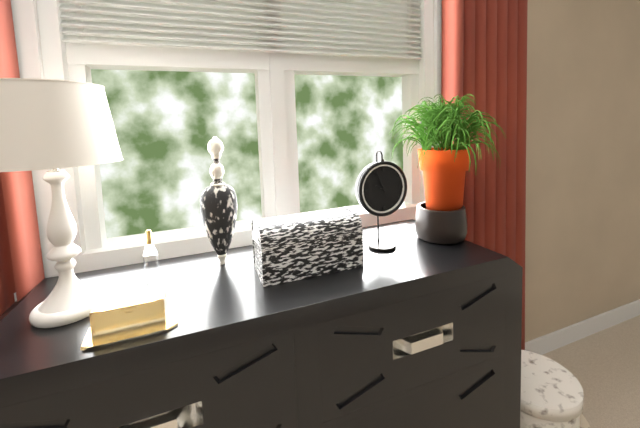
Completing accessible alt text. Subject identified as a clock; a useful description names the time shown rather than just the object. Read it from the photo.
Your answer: 9:56
